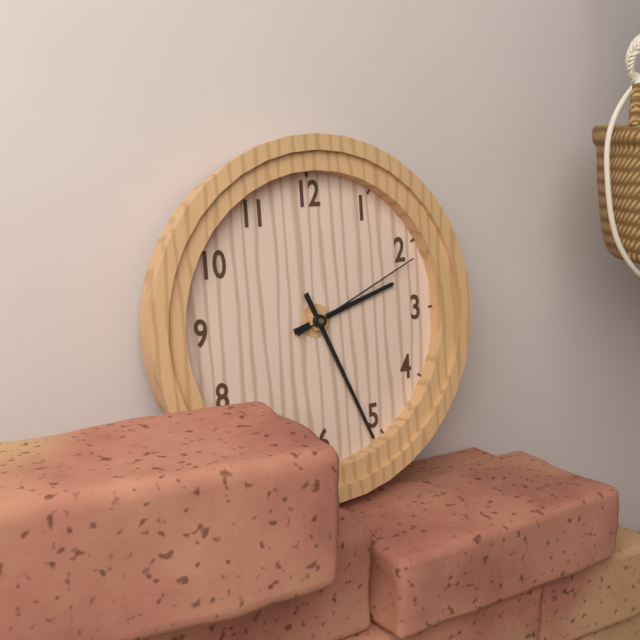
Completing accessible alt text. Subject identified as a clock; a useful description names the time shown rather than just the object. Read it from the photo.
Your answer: 2:26:11
